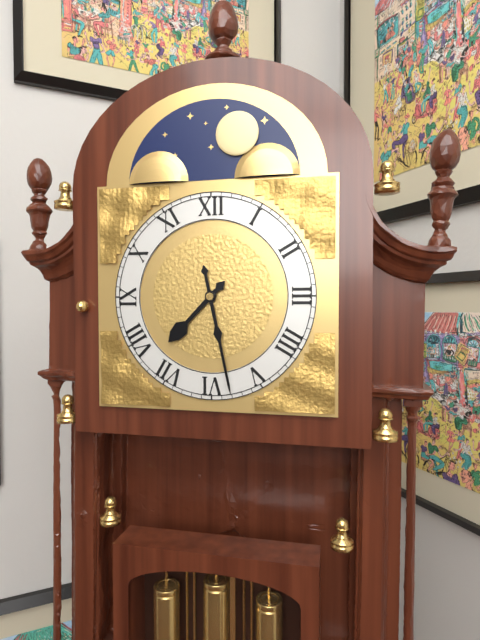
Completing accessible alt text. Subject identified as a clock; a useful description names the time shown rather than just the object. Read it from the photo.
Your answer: 7:28
